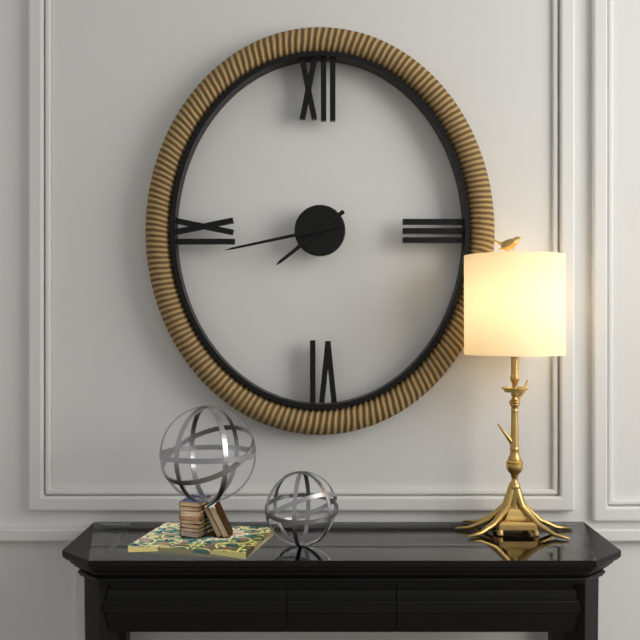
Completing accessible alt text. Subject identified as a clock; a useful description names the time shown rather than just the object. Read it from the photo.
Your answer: 7:43
